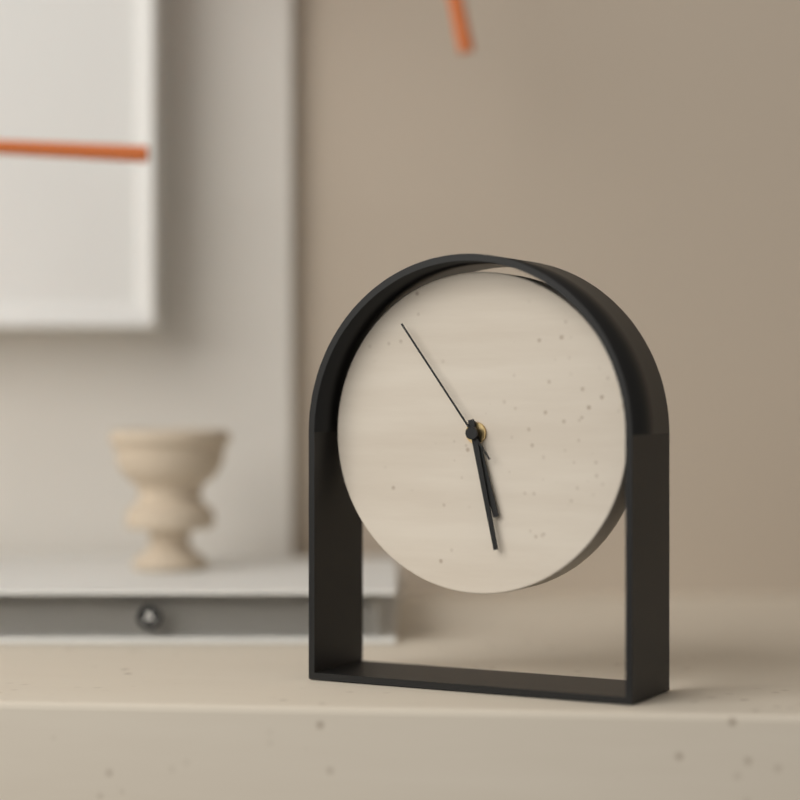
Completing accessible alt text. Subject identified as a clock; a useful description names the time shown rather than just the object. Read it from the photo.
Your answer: 5:28:54
